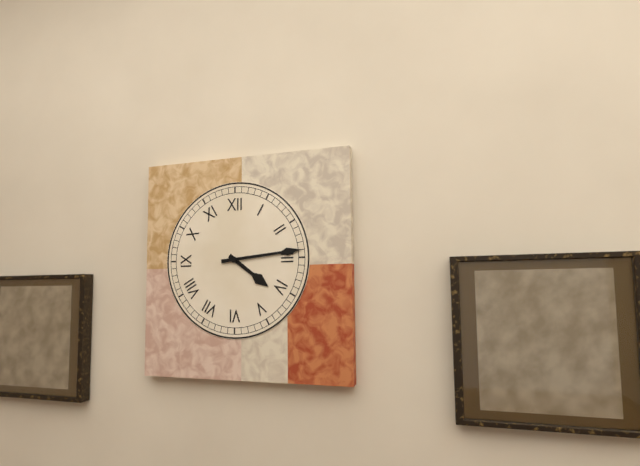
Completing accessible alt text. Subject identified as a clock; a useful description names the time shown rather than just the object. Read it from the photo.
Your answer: 4:14
